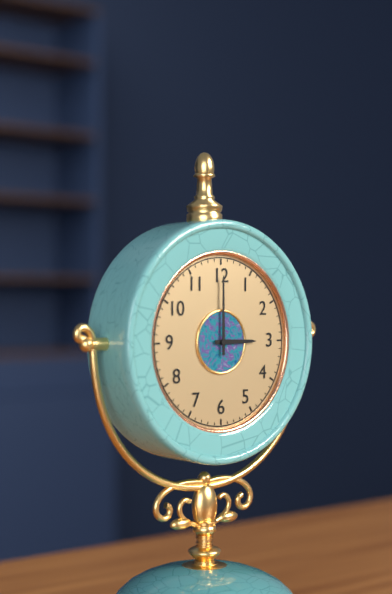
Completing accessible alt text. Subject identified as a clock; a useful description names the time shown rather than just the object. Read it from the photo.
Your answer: 3:00
